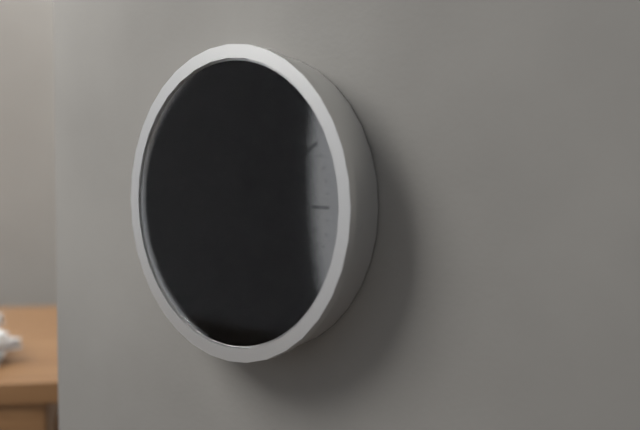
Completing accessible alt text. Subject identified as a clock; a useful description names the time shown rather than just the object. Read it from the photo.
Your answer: 3:30
